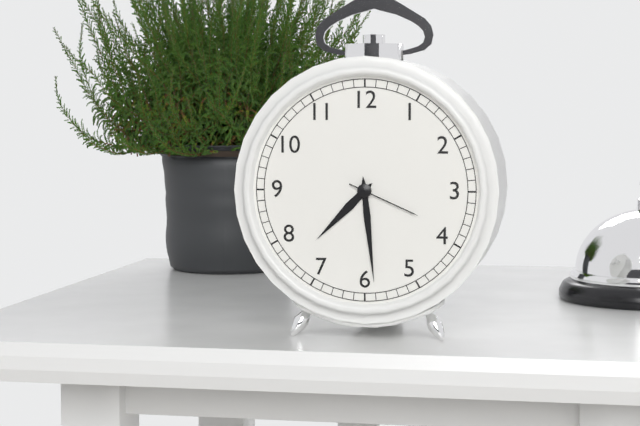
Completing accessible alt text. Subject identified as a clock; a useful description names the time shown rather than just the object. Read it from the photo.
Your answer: 7:29:19
